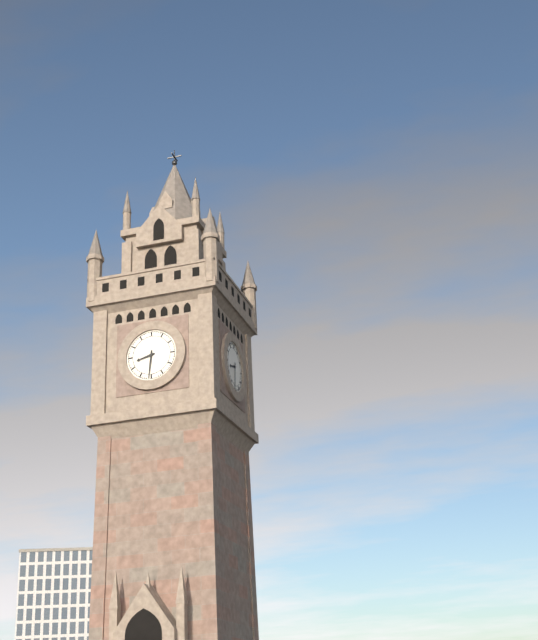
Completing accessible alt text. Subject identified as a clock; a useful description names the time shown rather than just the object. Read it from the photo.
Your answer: 8:31
